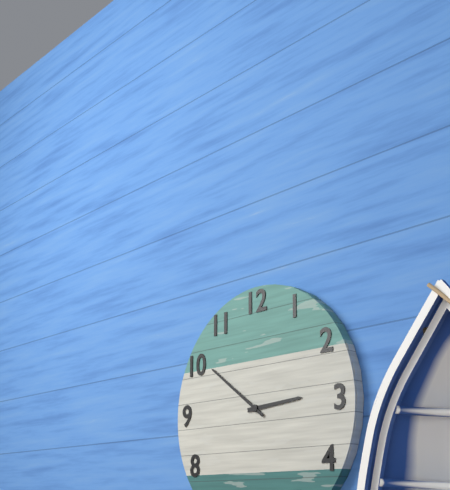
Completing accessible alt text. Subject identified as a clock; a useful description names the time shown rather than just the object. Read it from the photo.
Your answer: 2:51
